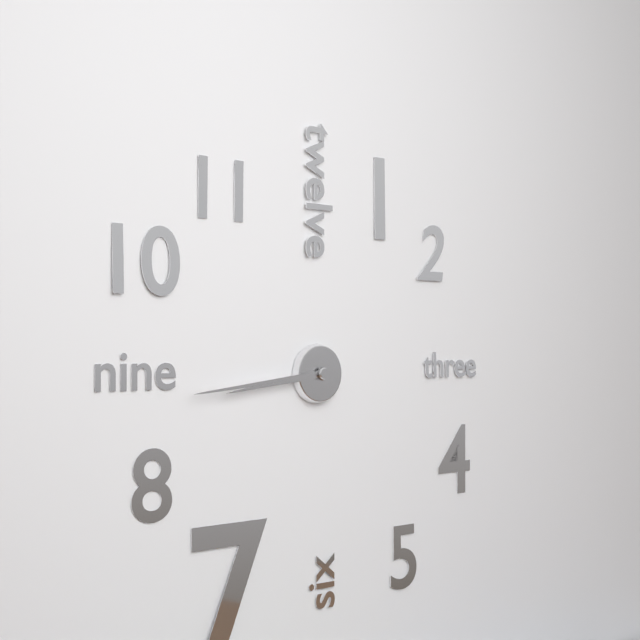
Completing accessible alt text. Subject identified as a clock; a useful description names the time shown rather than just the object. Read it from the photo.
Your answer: 8:44
